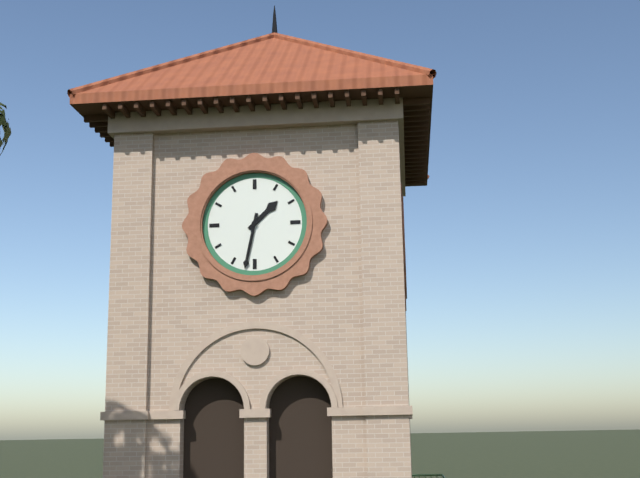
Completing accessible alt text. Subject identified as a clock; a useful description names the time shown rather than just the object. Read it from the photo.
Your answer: 1:32
